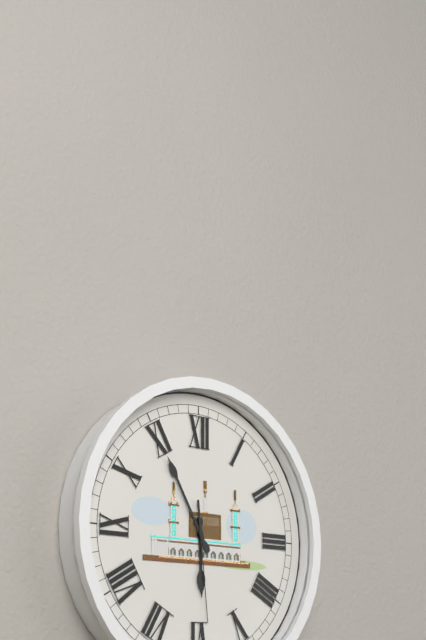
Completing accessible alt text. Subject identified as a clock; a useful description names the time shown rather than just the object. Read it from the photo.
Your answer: 5:55:29
